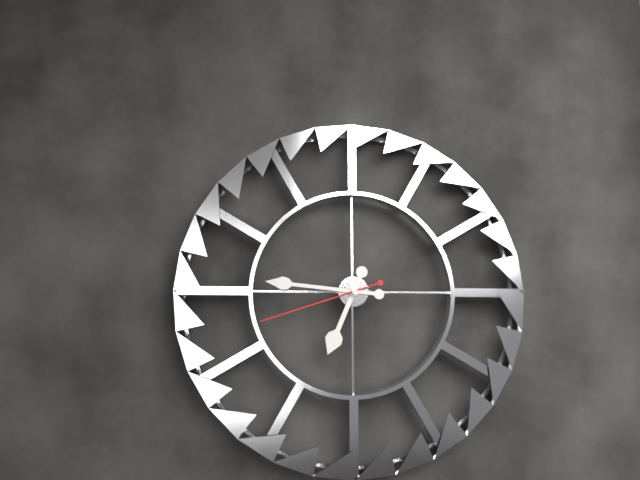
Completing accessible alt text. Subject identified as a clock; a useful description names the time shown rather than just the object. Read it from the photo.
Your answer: 6:46:42
